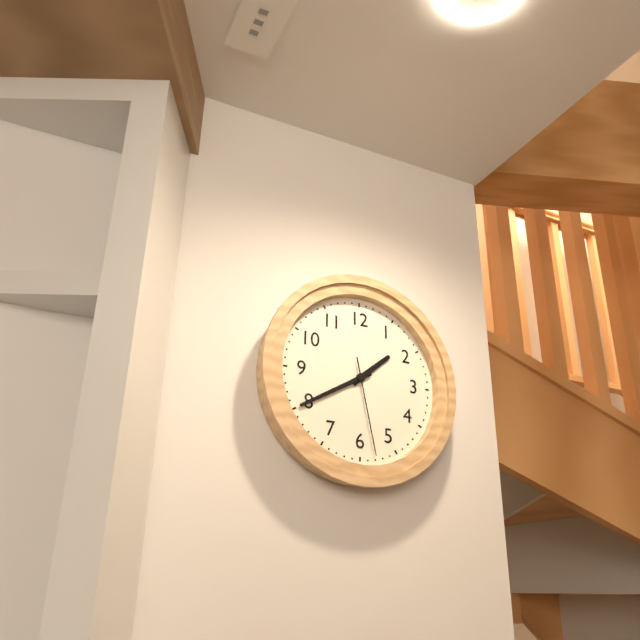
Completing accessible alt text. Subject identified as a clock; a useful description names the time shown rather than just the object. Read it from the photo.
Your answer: 1:40:28
